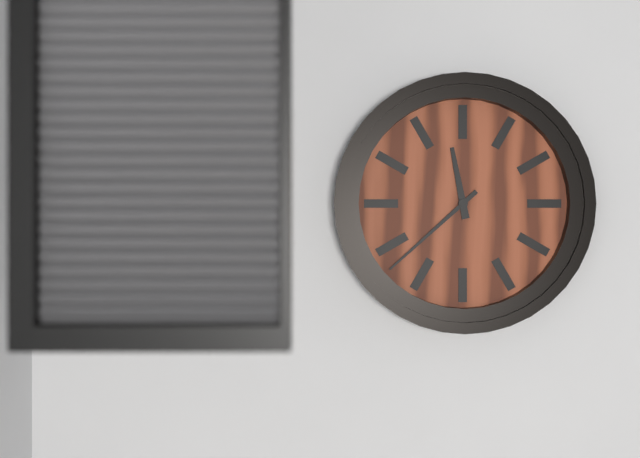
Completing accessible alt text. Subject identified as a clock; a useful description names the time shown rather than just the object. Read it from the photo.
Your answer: 11:38
